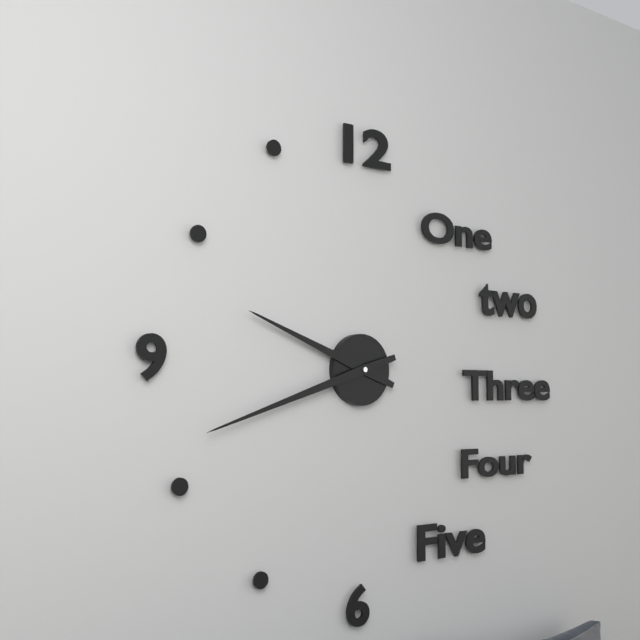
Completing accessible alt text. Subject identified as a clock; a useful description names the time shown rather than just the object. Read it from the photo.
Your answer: 9:42
